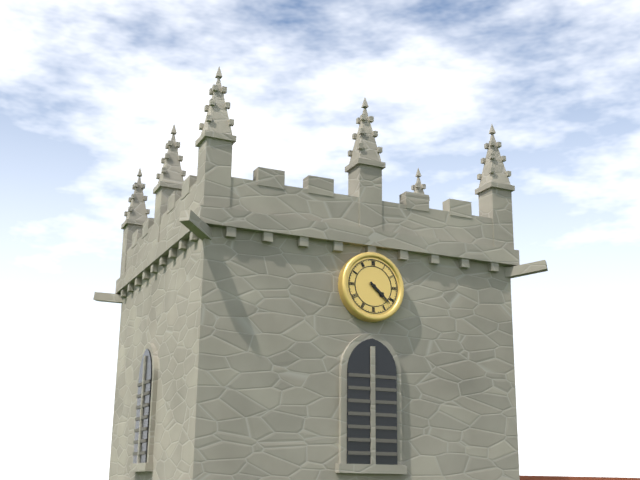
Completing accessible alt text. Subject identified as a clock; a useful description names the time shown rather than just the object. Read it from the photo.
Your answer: 4:22
